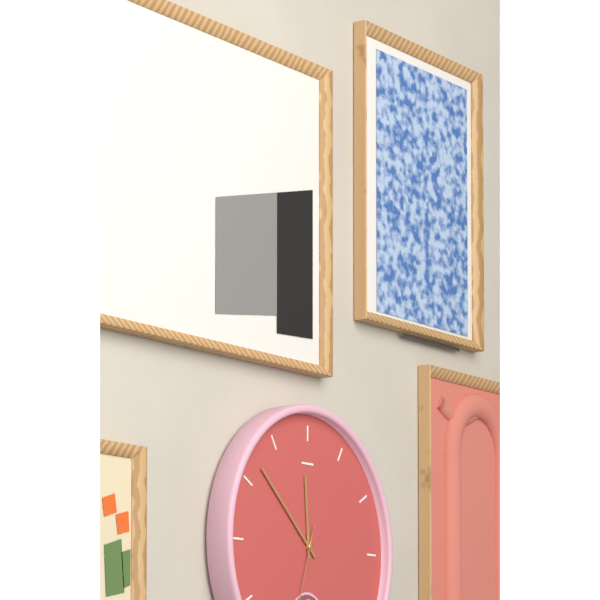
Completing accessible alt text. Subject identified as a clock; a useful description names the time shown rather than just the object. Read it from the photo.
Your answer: 11:52
